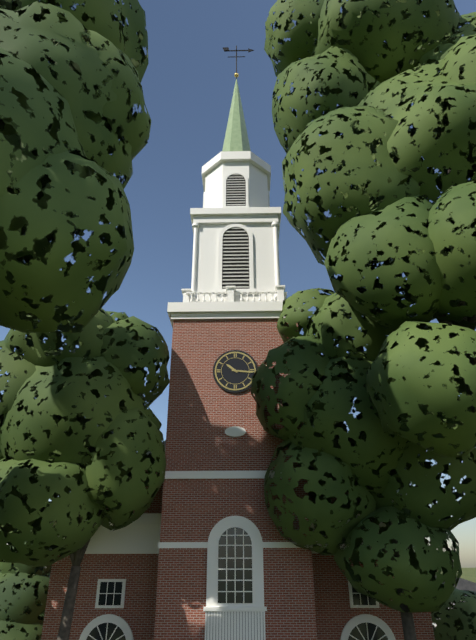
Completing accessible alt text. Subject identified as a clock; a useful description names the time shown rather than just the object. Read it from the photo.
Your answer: 10:16
